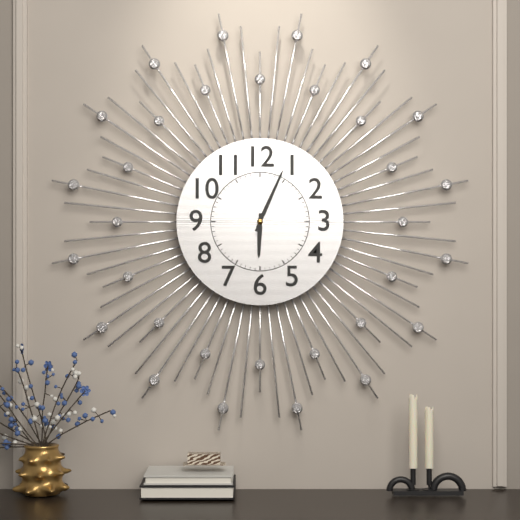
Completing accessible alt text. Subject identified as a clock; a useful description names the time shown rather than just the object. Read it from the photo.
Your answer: 6:04
